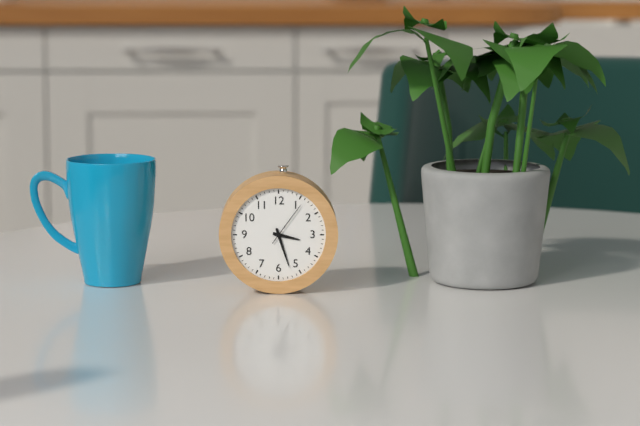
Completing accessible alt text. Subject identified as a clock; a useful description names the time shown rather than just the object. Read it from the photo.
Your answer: 3:27
